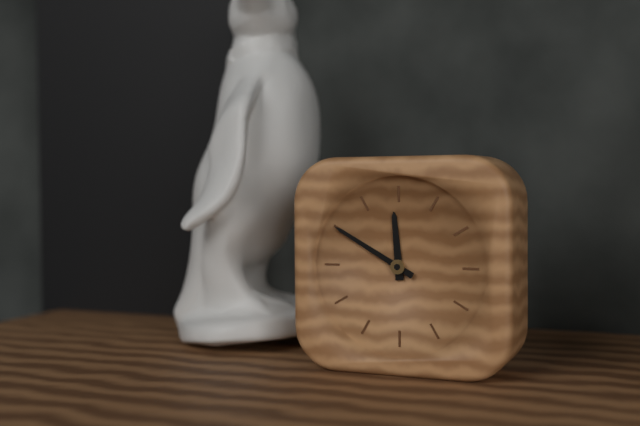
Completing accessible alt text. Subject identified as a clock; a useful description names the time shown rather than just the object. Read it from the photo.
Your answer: 11:50
